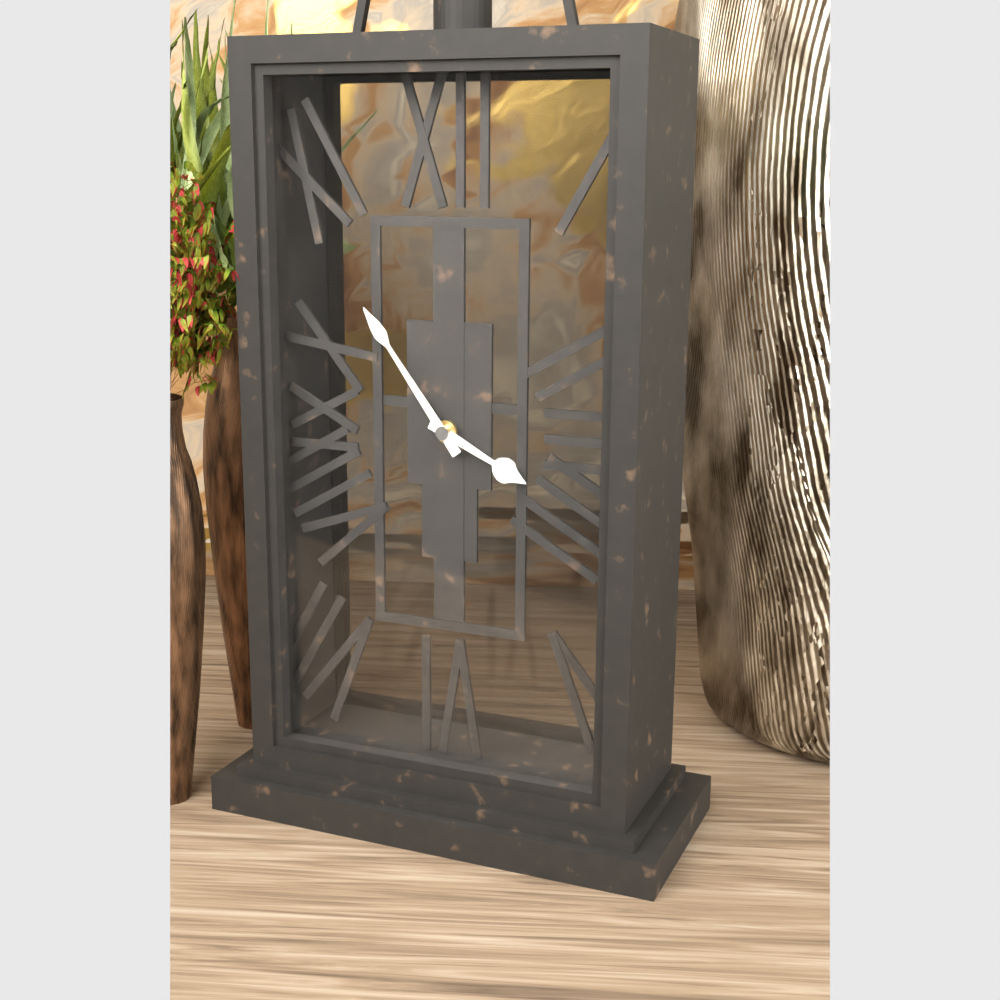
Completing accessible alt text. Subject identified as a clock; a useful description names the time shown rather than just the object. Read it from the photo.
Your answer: 3:54
